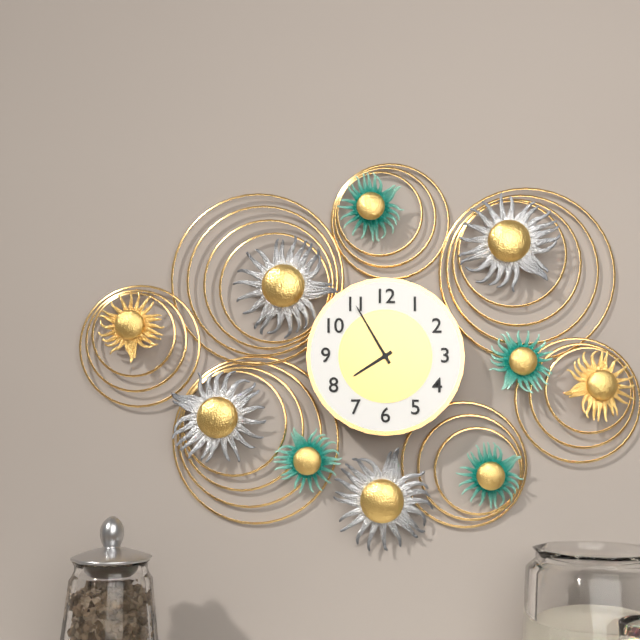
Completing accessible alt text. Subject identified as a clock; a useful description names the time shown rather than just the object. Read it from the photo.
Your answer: 7:55
